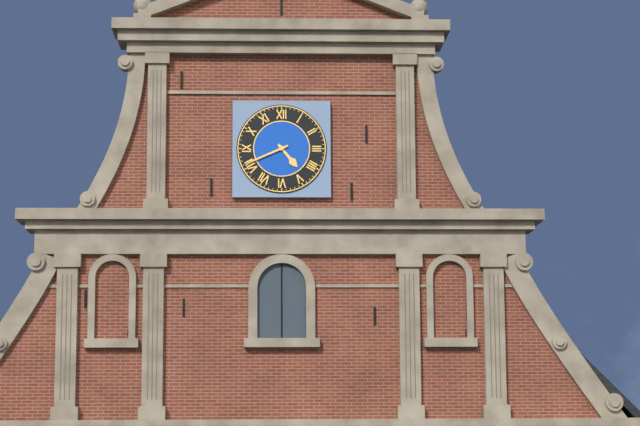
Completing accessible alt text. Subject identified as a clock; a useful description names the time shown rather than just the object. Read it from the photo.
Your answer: 4:41
